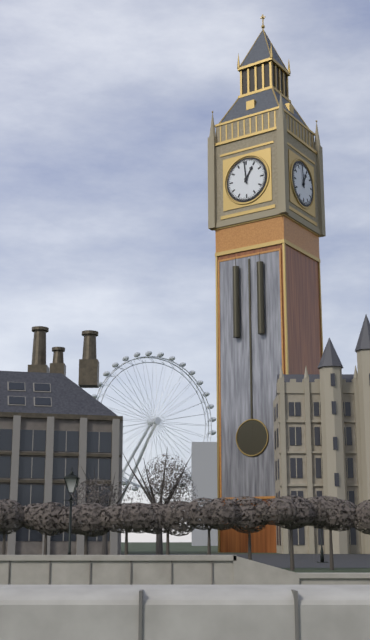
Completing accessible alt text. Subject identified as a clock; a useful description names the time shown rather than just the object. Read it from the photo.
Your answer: 12:59
